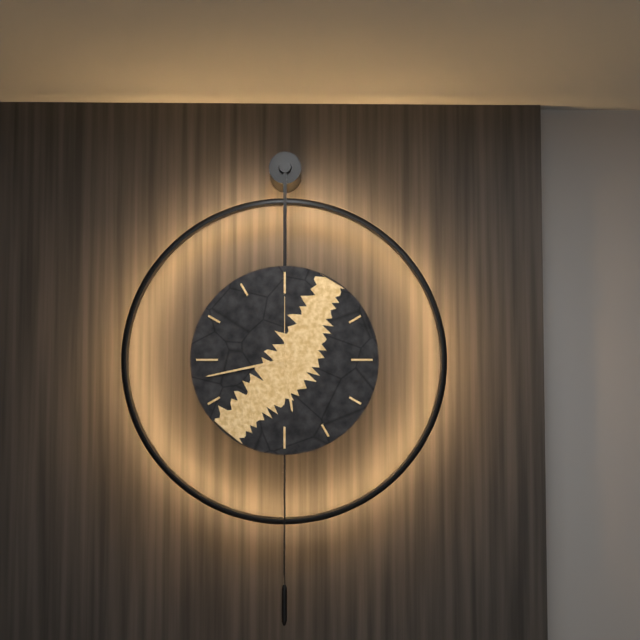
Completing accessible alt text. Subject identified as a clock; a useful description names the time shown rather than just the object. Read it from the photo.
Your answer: 5:43:00
